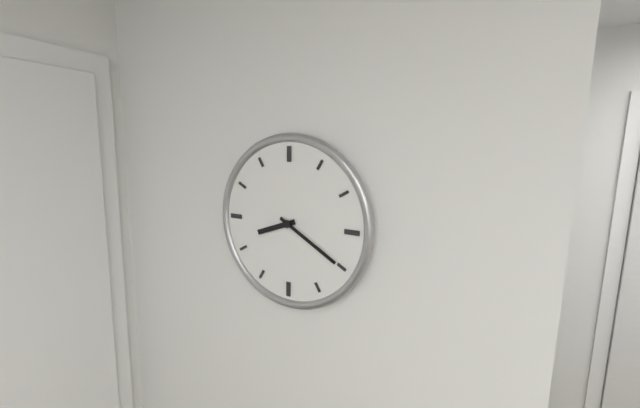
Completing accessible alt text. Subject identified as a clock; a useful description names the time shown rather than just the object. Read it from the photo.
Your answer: 8:20
